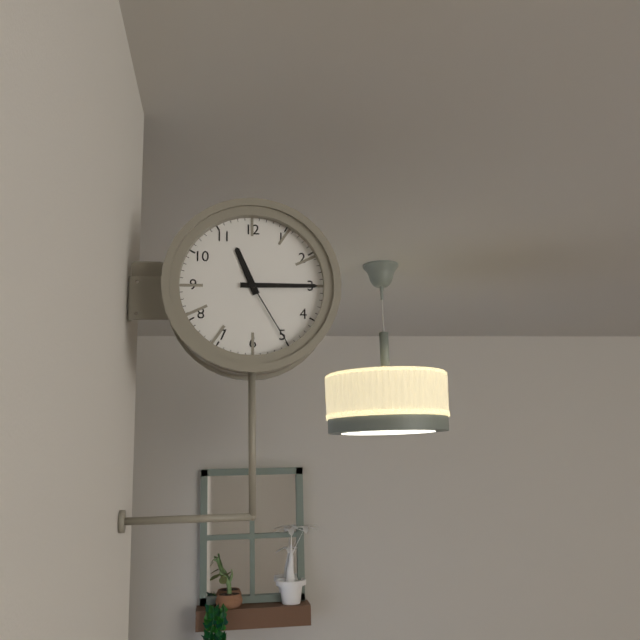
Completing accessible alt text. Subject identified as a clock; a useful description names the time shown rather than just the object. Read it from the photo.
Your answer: 11:15:25
